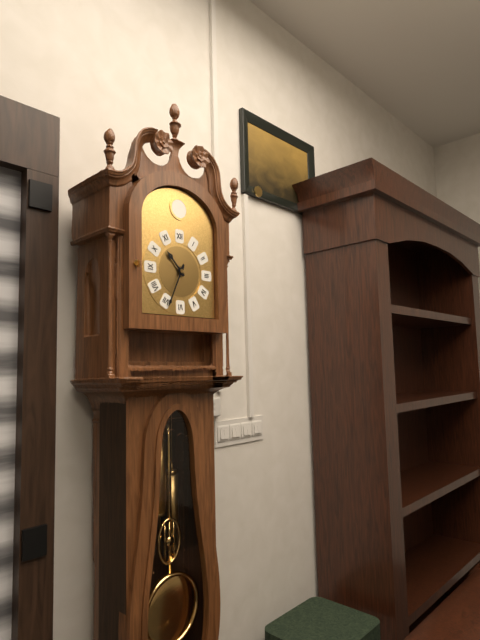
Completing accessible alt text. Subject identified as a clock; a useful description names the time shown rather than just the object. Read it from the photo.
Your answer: 10:34
